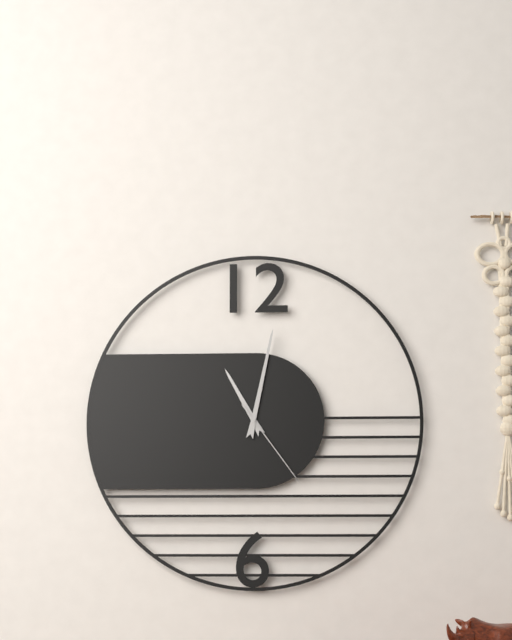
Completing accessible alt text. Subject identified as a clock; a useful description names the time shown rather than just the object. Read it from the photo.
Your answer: 11:02:24
